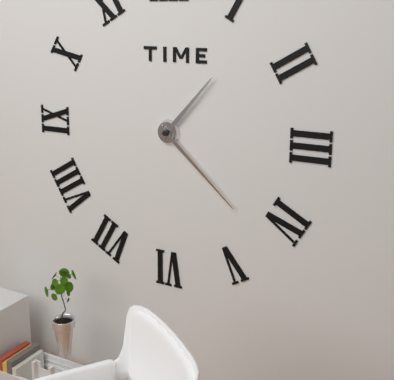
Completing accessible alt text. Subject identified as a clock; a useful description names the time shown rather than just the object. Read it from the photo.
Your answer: 1:22
